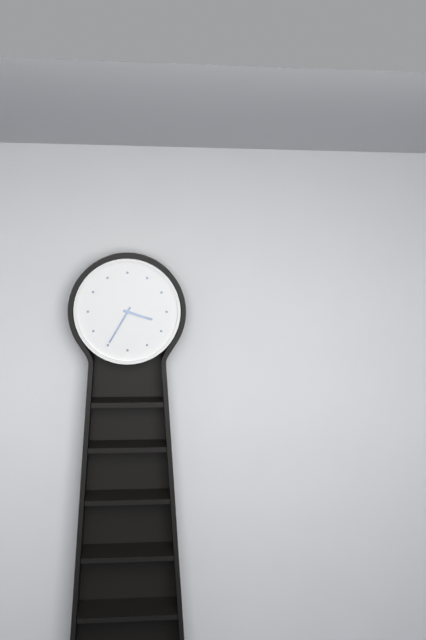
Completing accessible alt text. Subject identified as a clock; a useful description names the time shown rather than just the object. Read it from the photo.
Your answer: 3:35
